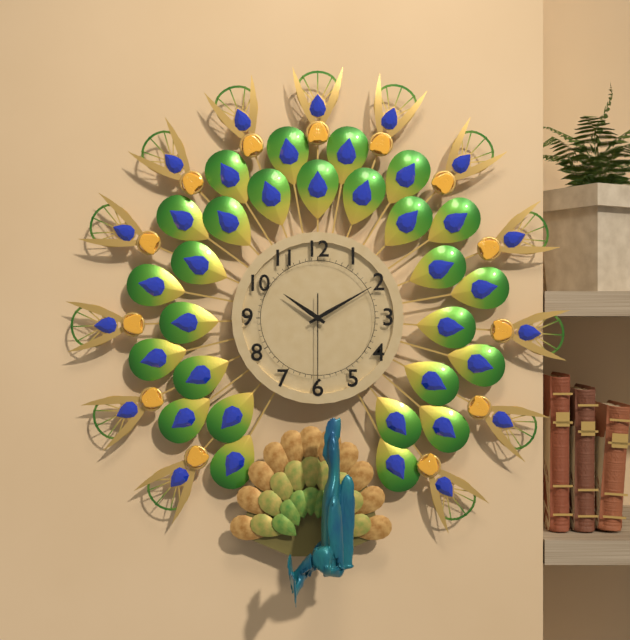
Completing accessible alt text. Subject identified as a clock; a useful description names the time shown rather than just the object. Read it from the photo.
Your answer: 10:10:30
